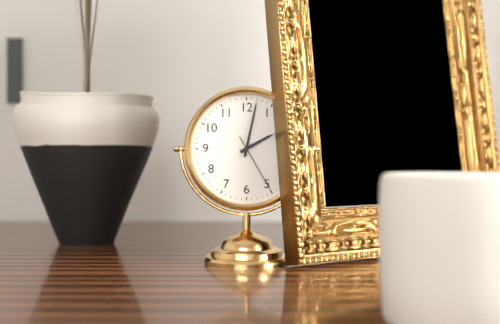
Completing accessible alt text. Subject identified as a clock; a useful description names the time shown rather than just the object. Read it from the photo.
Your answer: 2:02:25
